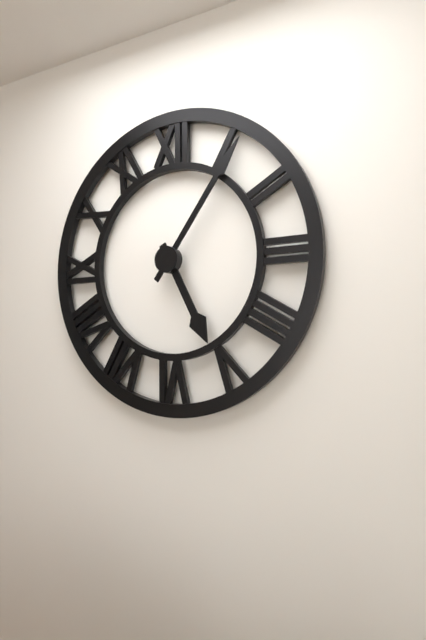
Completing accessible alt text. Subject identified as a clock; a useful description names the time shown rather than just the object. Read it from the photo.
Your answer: 5:06
